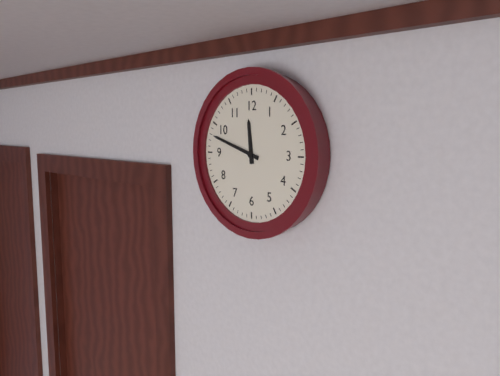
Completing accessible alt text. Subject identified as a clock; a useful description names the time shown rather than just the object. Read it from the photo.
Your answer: 11:48
